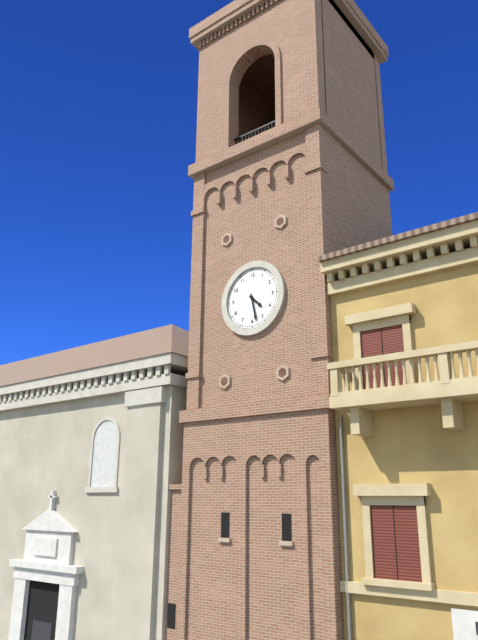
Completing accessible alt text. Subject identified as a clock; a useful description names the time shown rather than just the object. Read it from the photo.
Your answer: 4:28
